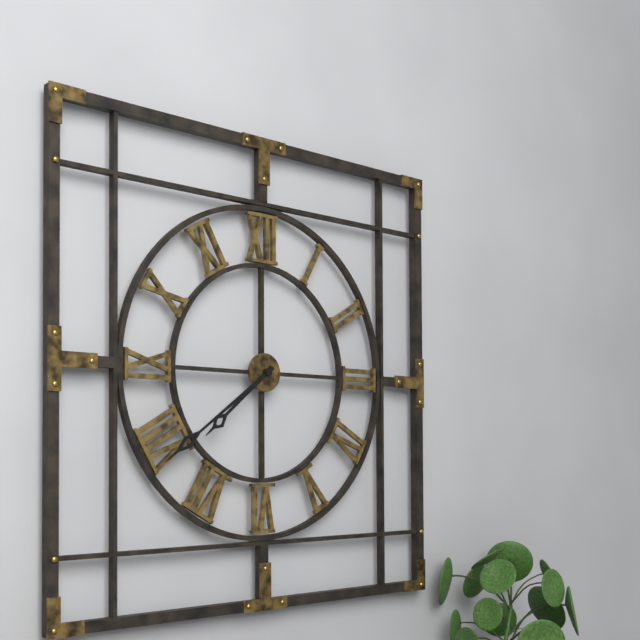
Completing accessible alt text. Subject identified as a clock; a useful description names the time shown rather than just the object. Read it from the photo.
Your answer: 7:39
